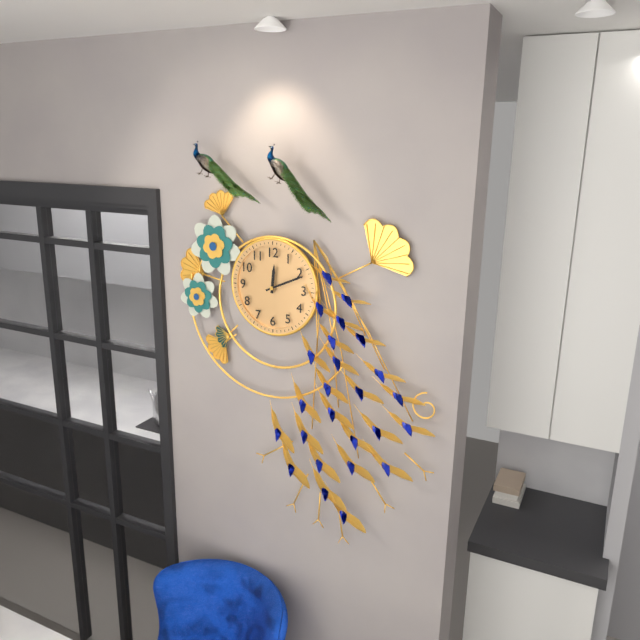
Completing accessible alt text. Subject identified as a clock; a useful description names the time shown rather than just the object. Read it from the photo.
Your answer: 12:11
